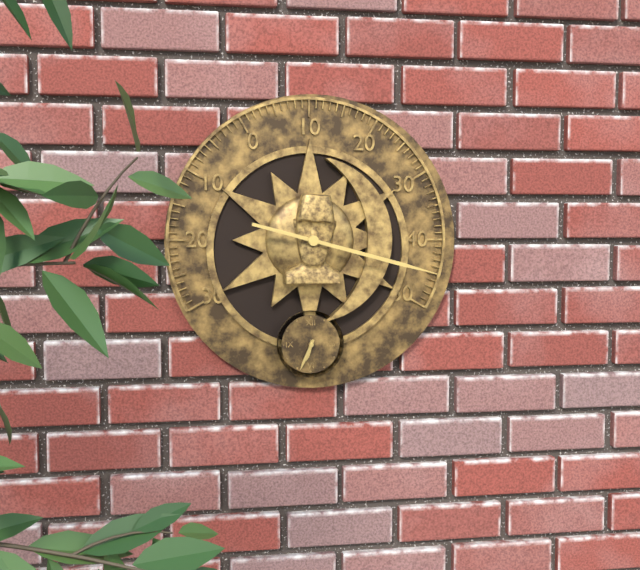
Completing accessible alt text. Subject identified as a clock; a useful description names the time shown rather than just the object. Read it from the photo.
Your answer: 6:34
